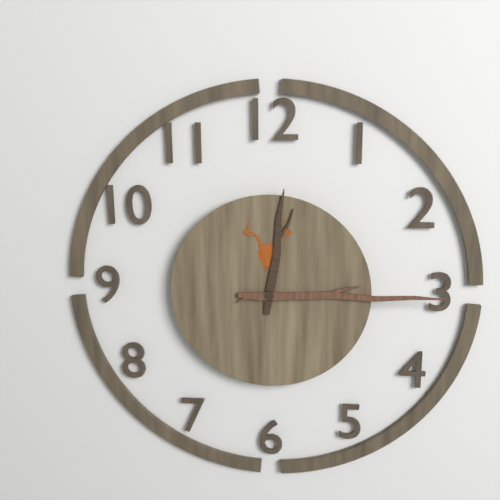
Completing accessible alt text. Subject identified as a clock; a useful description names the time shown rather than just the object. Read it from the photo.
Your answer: 12:15
